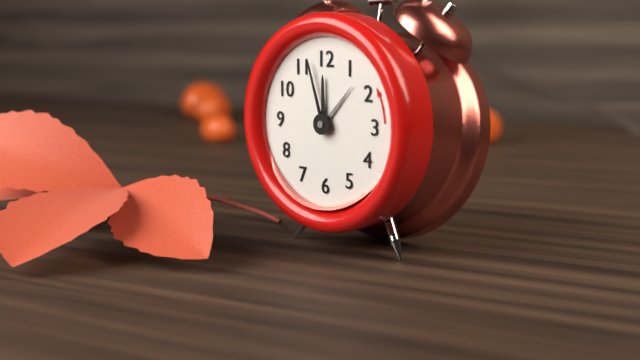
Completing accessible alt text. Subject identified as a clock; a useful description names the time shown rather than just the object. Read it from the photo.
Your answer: 11:57:07
